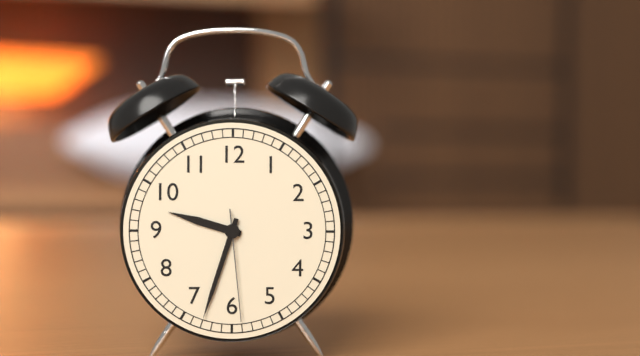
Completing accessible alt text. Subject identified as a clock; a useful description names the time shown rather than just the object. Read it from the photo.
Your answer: 9:33:29
